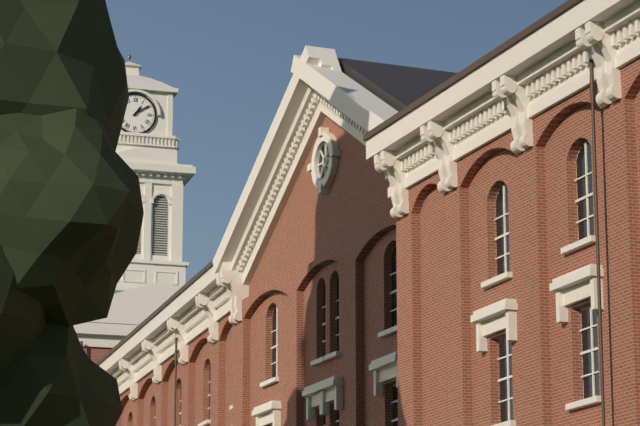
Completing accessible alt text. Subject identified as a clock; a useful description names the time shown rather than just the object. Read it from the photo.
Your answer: 1:09
